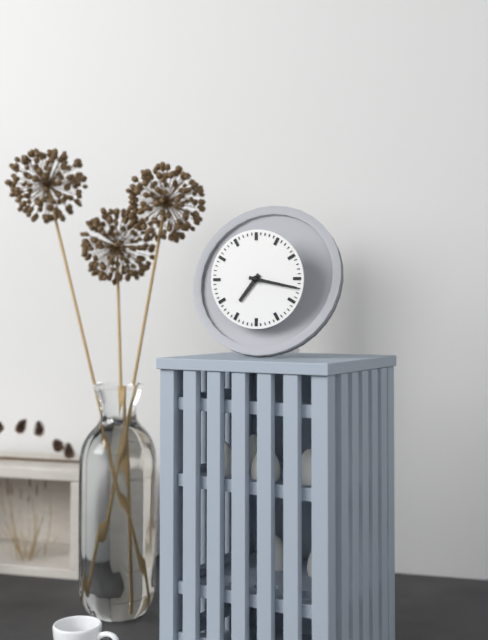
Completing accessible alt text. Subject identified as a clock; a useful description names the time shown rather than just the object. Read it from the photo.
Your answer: 7:17
